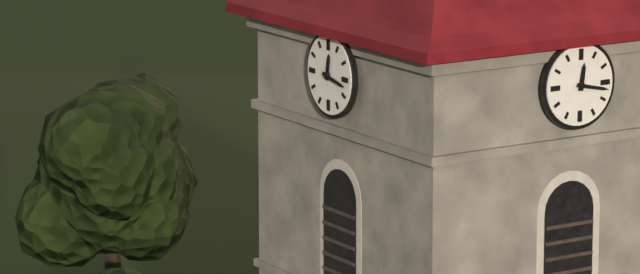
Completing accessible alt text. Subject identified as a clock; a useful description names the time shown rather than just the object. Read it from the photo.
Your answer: 12:17
